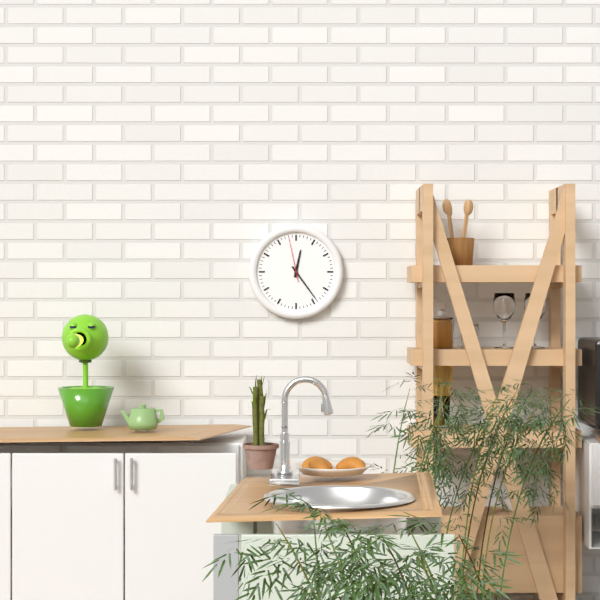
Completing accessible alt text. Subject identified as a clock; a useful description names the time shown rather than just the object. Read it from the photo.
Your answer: 12:24
